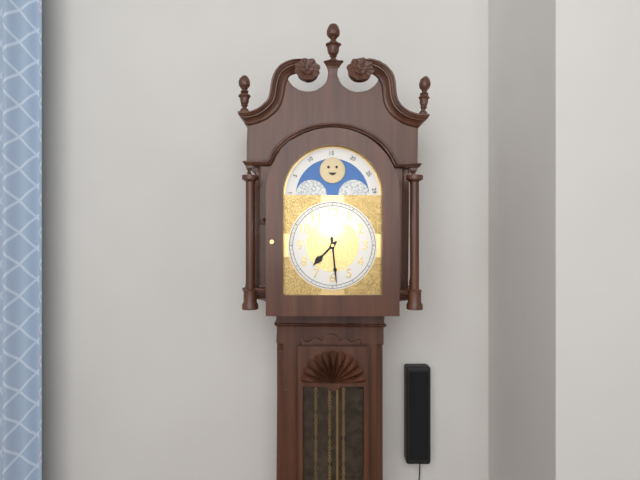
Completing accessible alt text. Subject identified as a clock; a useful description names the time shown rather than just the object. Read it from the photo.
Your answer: 7:29
